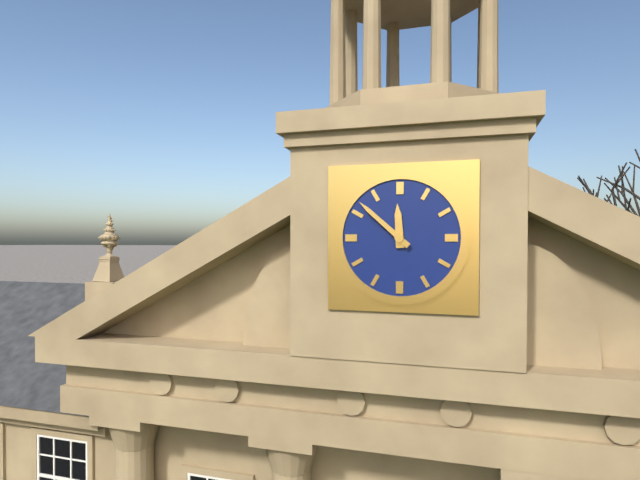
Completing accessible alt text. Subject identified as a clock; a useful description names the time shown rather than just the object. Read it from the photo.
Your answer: 11:52
